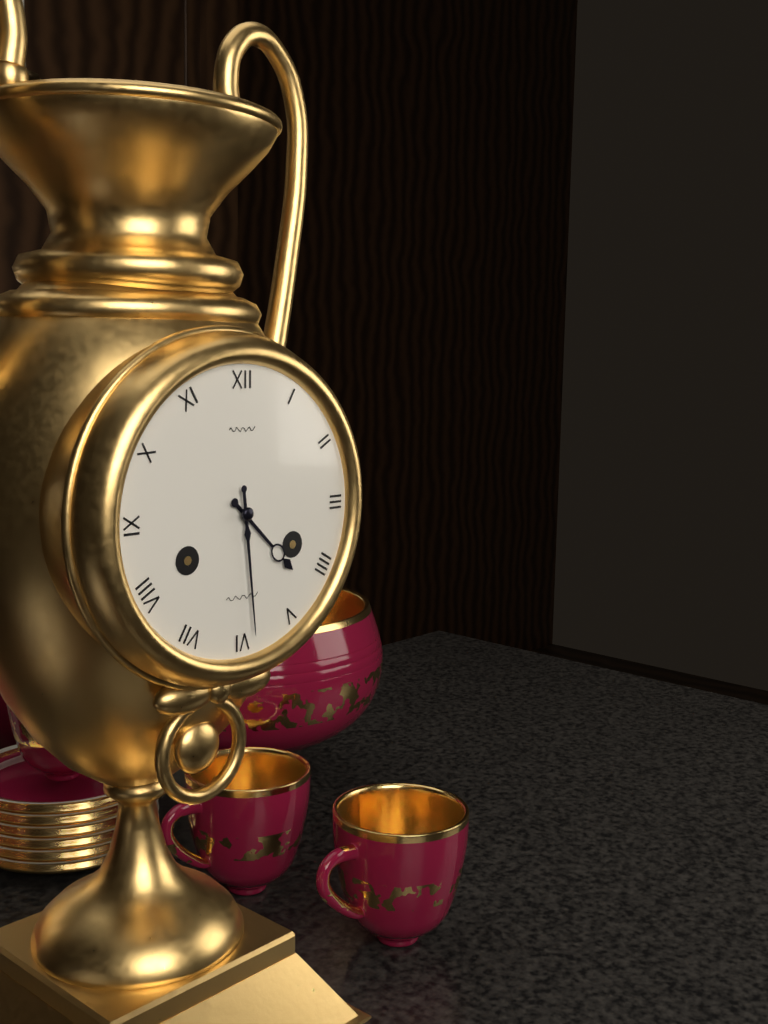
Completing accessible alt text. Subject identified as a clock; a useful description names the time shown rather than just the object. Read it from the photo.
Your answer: 4:29
